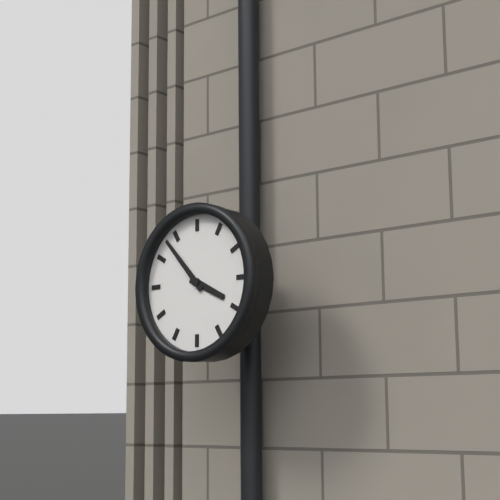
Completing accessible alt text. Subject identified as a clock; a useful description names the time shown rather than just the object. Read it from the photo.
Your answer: 3:53
